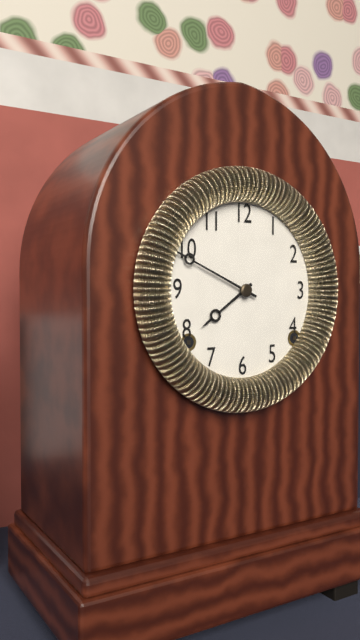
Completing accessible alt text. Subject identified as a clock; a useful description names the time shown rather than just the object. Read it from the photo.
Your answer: 7:49
